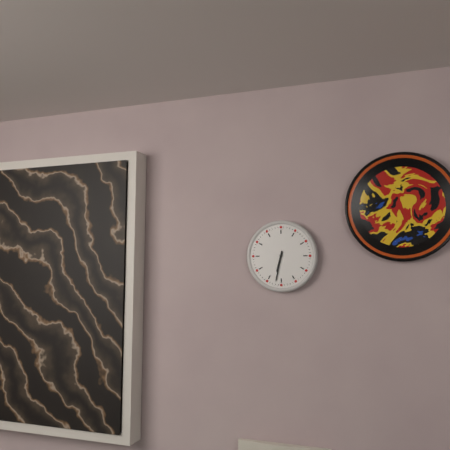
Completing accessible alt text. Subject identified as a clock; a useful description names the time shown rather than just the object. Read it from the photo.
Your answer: 6:32
